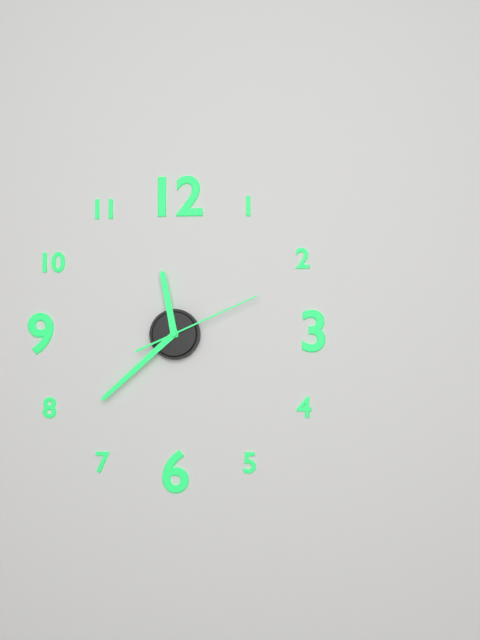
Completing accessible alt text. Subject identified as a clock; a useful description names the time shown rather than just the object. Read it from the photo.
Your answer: 11:38:11
